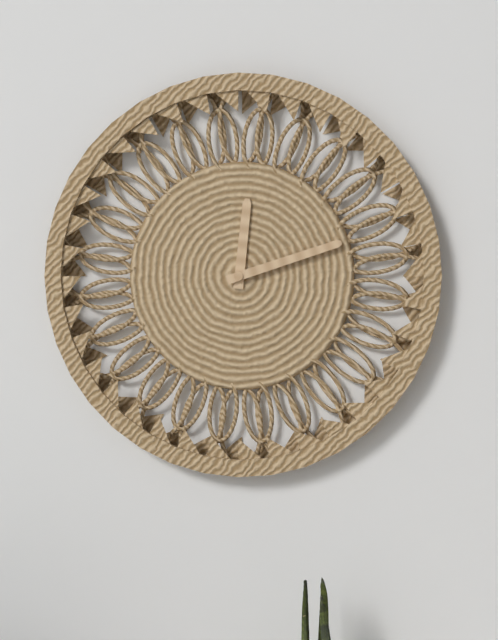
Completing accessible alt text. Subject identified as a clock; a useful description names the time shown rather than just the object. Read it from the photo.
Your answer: 12:12
